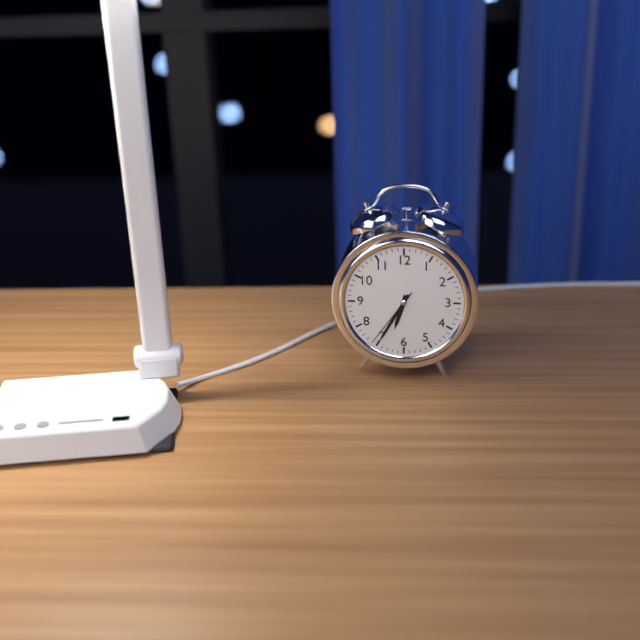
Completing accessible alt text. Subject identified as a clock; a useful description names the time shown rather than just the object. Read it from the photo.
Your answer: 6:35:36
